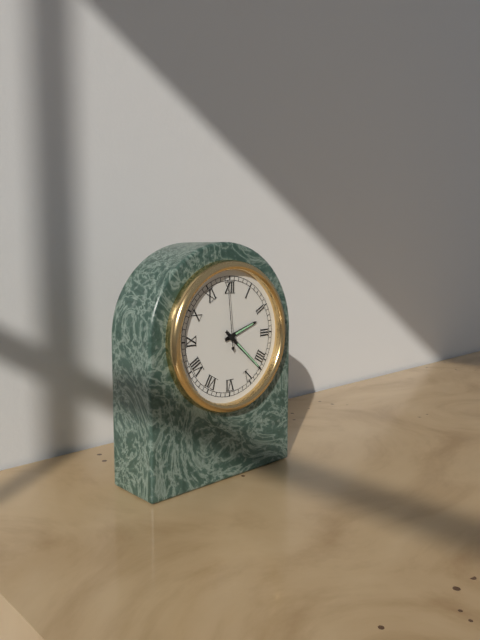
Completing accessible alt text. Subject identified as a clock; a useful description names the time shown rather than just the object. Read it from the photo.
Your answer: 2:22:59
